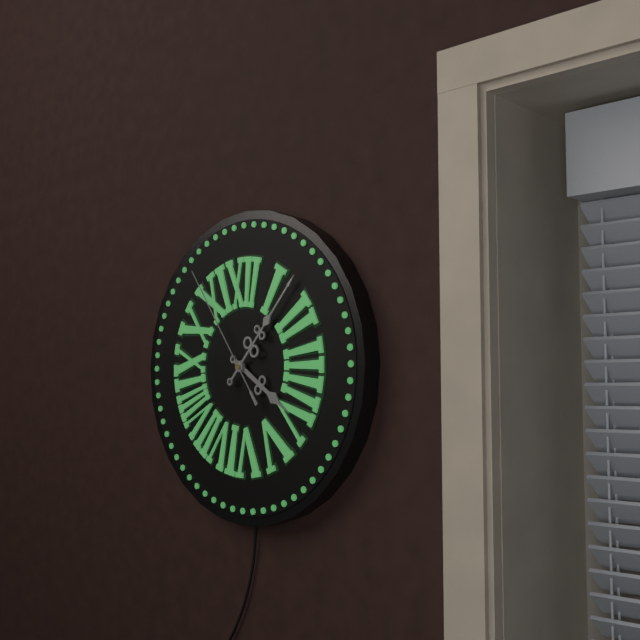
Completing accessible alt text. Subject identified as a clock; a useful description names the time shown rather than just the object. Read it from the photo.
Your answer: 4:07:54
